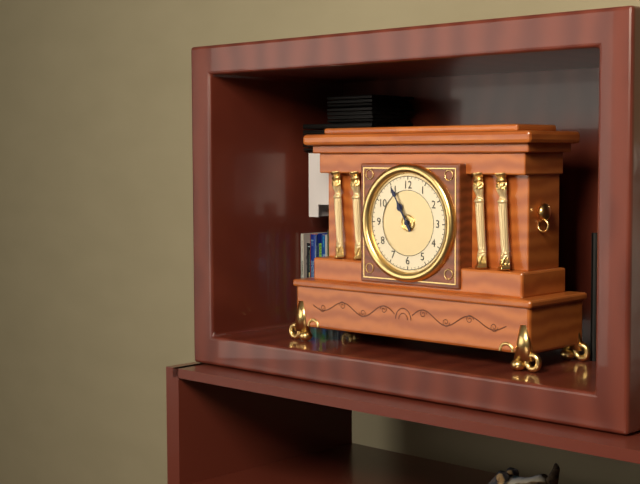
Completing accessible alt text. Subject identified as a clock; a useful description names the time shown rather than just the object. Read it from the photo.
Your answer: 10:55
